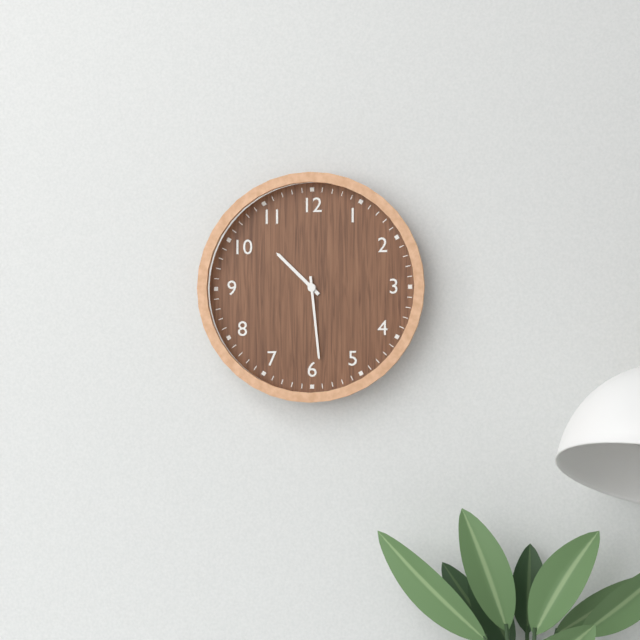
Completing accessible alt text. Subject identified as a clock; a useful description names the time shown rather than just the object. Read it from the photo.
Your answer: 10:29
